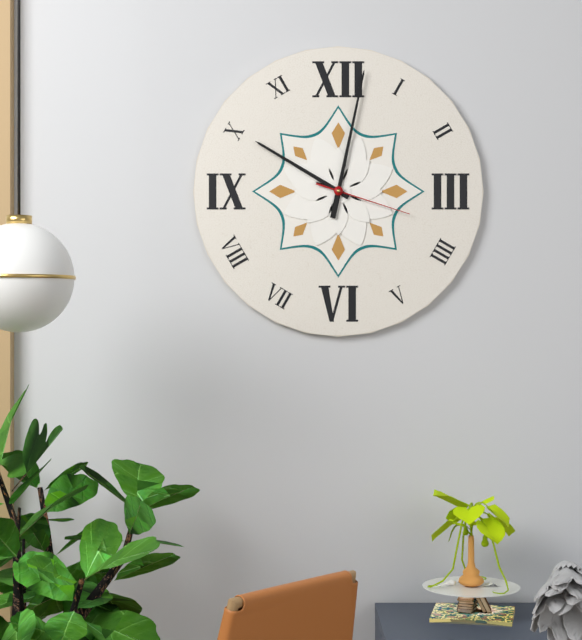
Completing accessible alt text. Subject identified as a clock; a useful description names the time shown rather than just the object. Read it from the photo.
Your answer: 10:02:18
